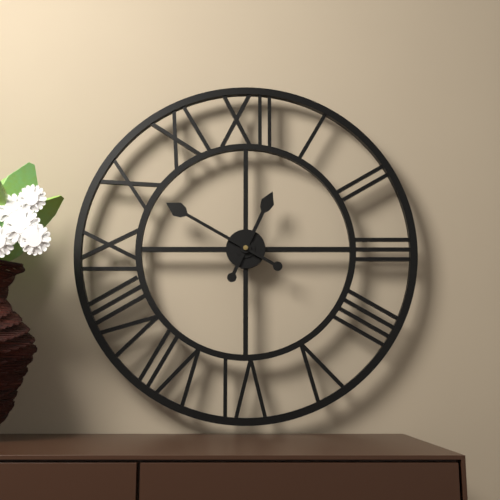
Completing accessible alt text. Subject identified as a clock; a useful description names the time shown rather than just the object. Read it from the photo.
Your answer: 12:50
